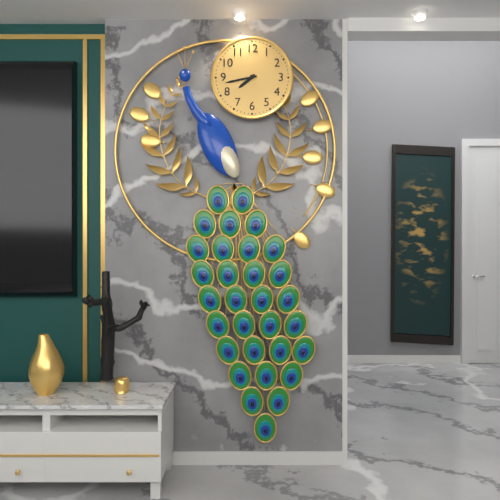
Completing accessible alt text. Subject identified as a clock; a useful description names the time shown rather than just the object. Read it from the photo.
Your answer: 7:43
